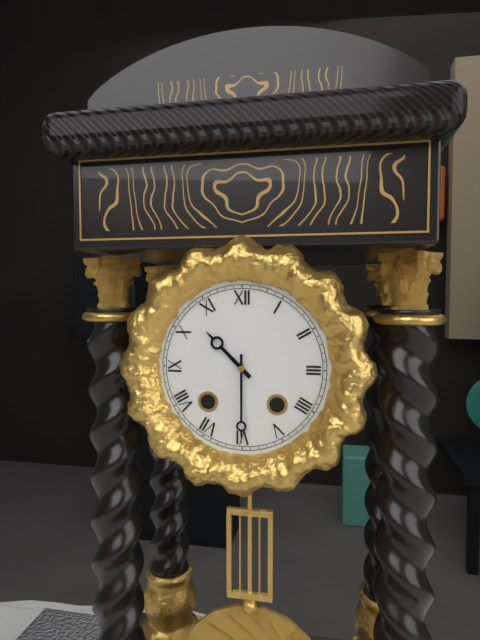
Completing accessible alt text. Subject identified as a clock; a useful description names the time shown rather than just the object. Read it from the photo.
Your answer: 10:30
